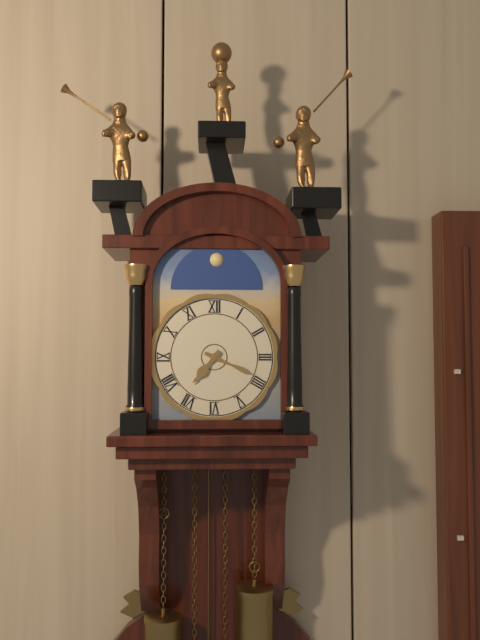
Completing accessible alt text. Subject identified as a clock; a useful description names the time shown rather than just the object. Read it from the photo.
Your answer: 7:19
